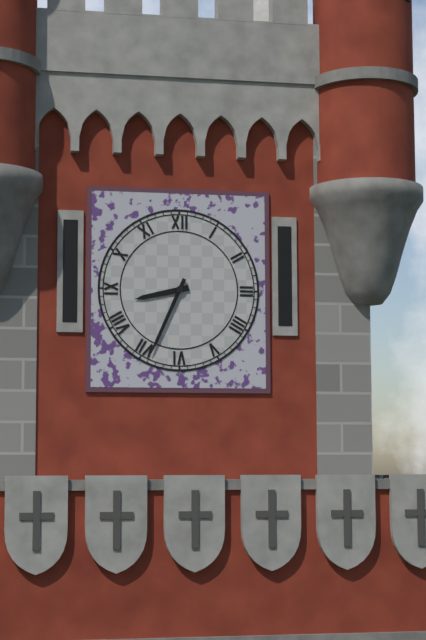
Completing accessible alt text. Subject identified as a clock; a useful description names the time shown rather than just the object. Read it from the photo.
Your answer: 8:34
